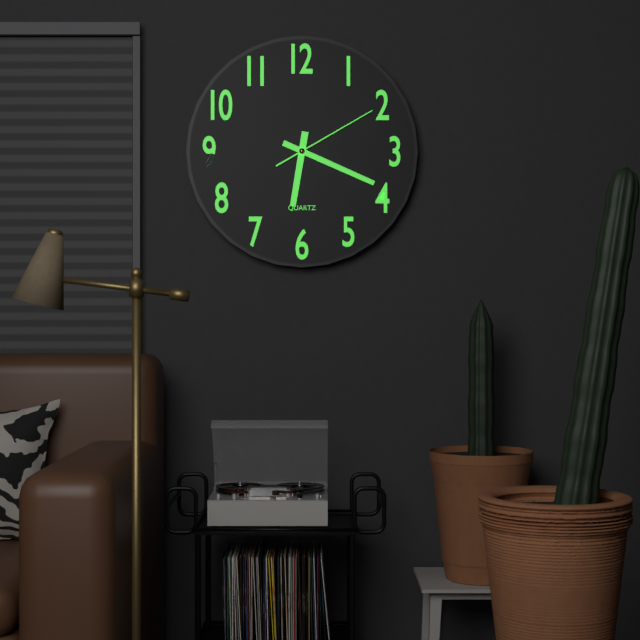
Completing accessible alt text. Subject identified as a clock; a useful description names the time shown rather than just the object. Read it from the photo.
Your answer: 6:19:10
